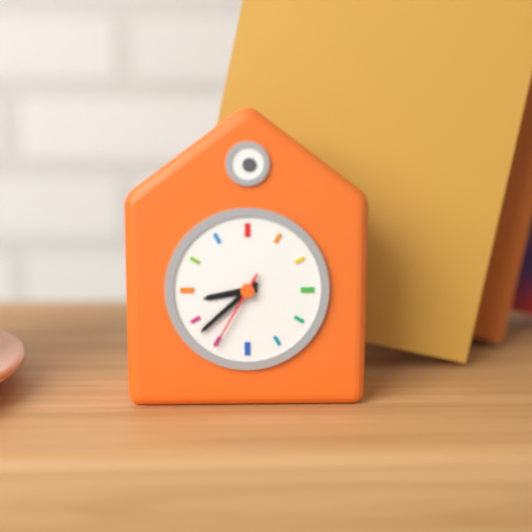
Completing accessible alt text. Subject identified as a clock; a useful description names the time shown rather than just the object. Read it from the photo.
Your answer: 8:38:35
